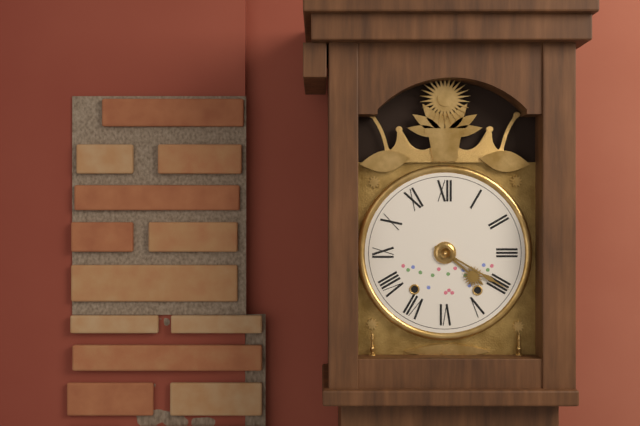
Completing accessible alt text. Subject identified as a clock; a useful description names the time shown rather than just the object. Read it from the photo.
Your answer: 4:20
